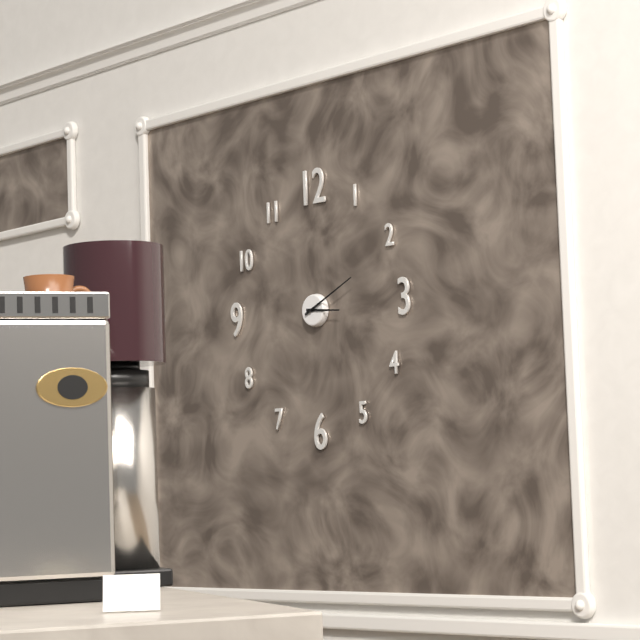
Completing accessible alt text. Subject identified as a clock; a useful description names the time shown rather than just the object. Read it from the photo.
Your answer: 3:11
